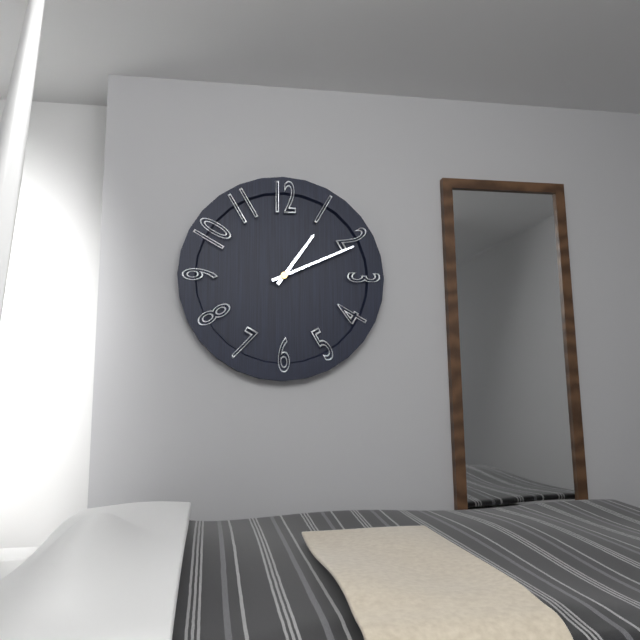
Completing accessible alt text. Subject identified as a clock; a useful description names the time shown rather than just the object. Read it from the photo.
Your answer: 1:11
